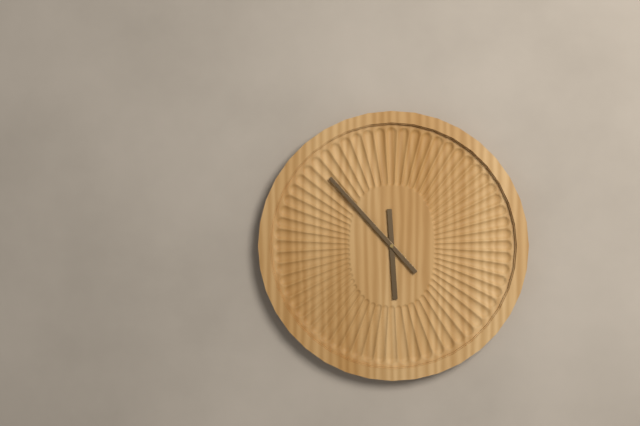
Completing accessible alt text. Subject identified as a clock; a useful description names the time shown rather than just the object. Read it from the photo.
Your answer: 5:53
